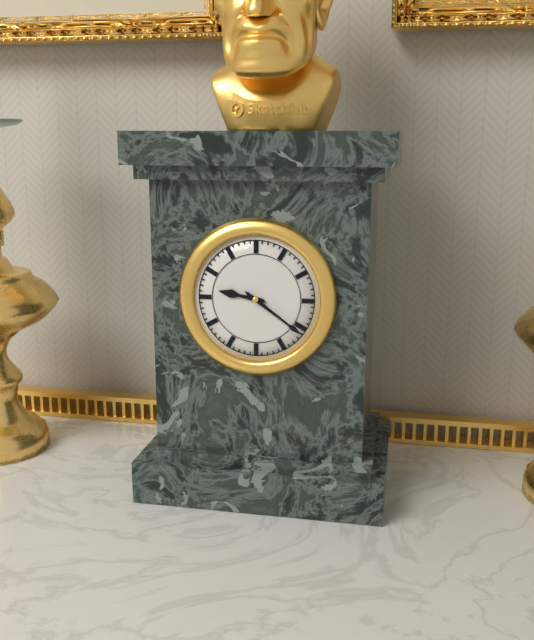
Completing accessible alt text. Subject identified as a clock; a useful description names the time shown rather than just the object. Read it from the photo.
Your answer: 9:21
